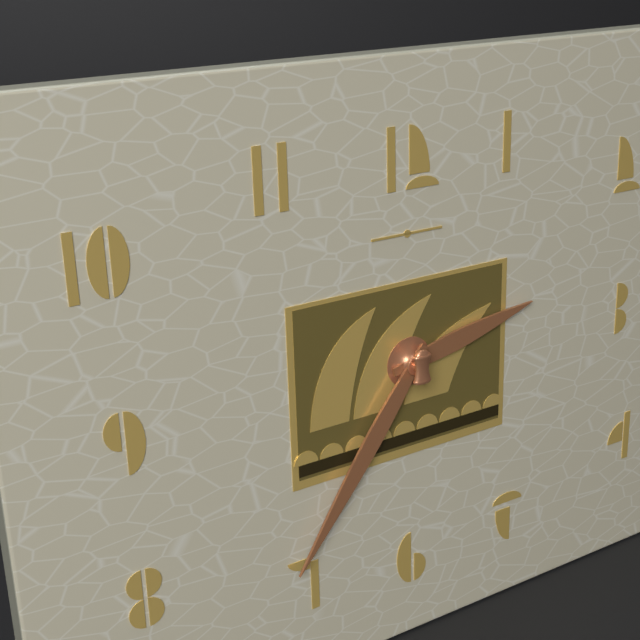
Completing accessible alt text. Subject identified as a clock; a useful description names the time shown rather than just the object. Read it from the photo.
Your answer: 2:36
